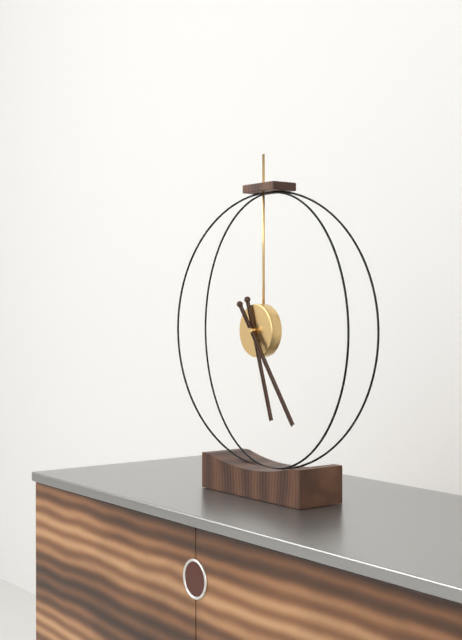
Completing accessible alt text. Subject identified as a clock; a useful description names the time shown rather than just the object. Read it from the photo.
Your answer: 5:24
